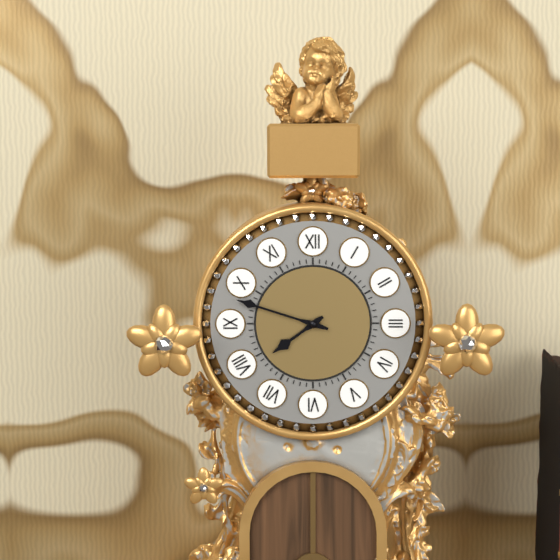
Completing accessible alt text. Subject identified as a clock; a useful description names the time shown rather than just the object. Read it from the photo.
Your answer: 7:48
